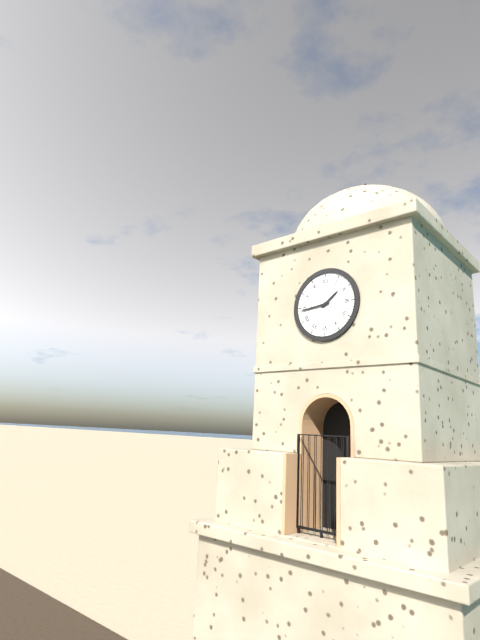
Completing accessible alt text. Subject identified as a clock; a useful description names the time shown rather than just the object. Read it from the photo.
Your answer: 1:44
